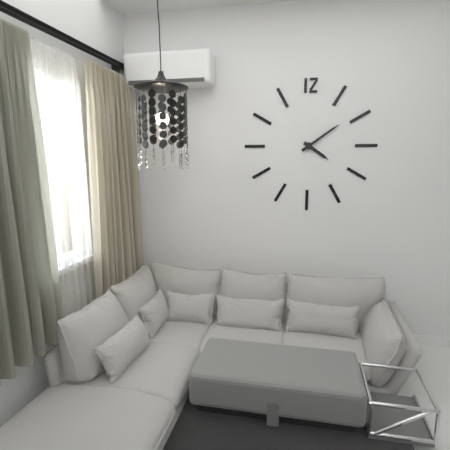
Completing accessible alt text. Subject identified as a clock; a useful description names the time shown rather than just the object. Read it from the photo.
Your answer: 4:09
